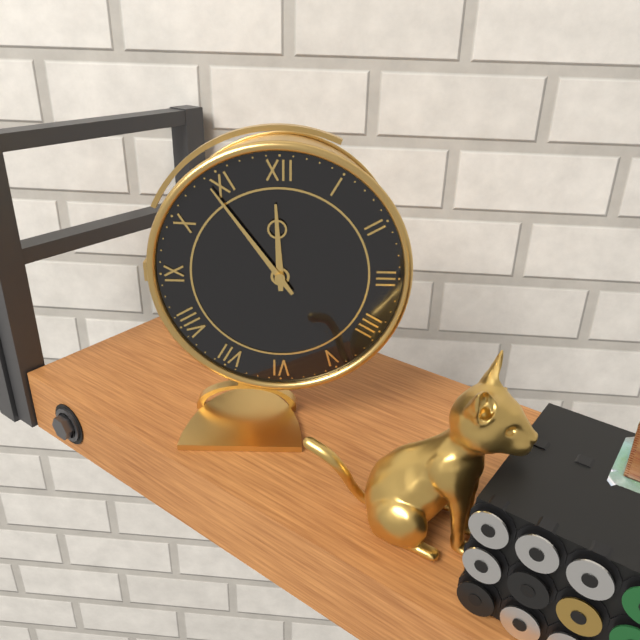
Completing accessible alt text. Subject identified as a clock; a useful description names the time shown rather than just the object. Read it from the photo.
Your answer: 11:54
